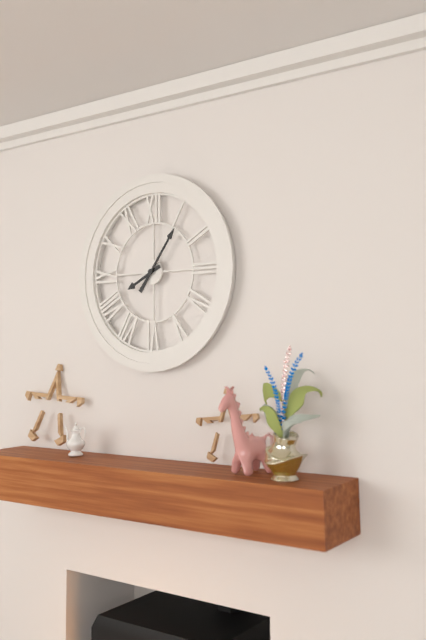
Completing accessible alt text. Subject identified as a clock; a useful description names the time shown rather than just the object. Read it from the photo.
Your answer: 8:06
